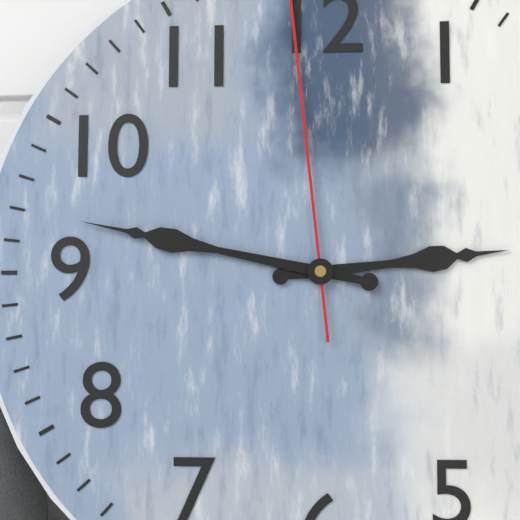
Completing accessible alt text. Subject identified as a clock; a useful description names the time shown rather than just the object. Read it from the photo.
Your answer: 2:47
